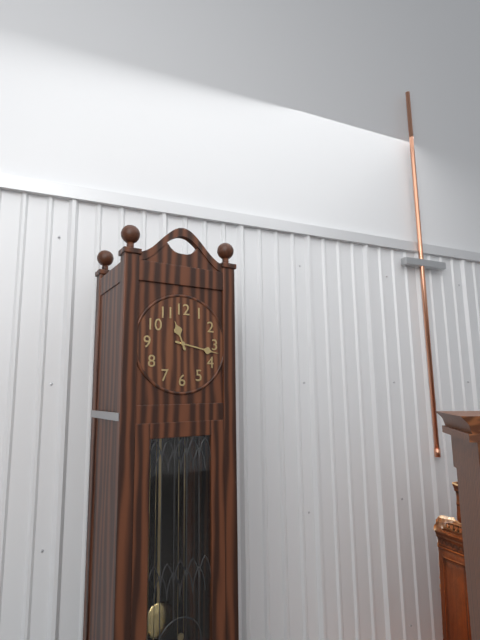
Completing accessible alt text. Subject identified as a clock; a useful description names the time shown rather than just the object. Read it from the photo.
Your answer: 11:17
